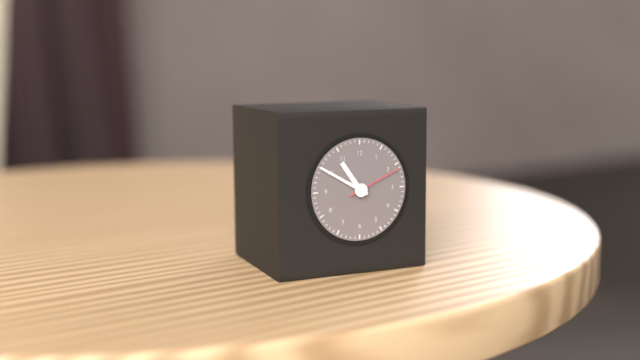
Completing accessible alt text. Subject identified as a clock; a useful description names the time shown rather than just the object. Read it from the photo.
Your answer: 10:50:11
